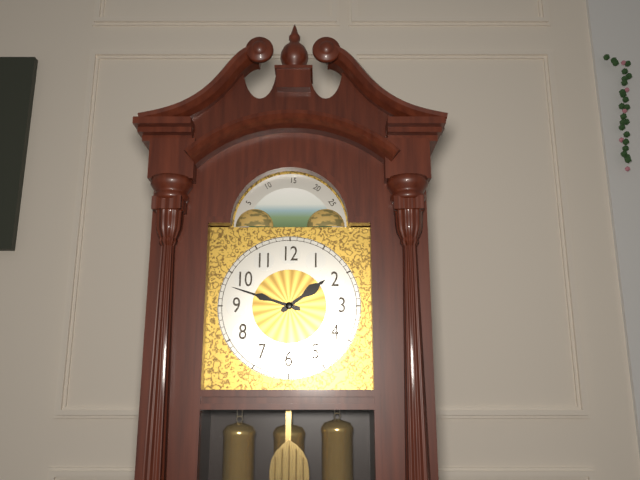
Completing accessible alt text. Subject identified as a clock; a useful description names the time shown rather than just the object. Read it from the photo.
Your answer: 1:48
